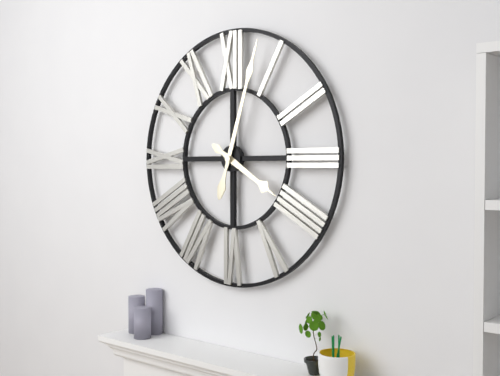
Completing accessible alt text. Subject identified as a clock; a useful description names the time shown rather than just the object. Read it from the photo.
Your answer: 4:03
